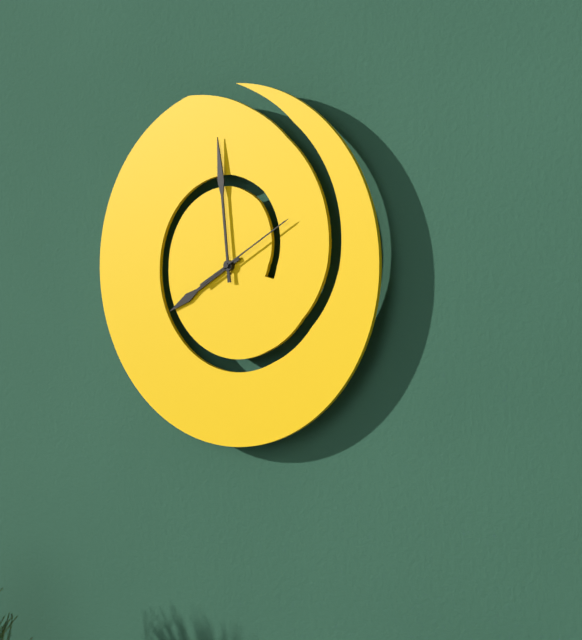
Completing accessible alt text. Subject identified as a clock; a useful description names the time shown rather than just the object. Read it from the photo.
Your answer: 7:59:10
